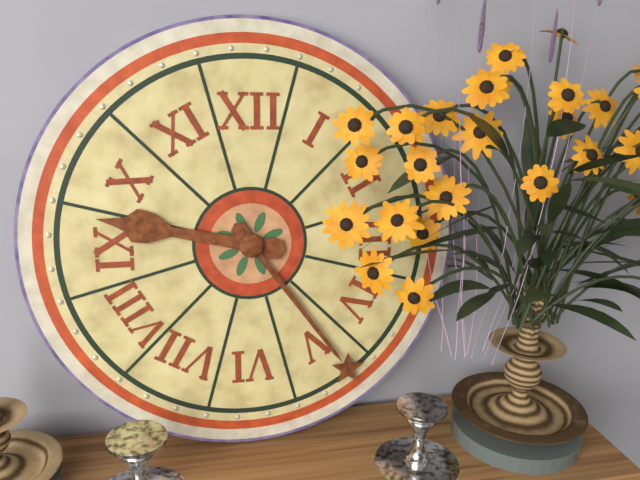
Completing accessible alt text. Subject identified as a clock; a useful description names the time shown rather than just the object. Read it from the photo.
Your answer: 9:24
